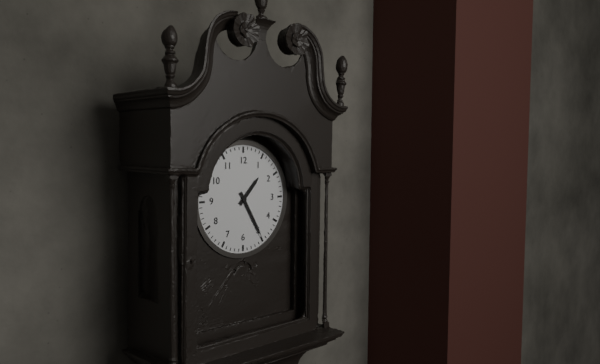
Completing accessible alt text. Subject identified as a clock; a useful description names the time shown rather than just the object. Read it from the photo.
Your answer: 1:25
